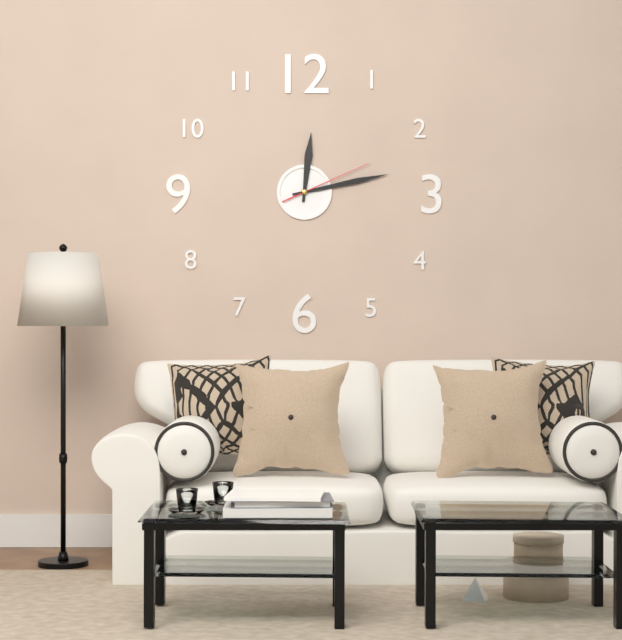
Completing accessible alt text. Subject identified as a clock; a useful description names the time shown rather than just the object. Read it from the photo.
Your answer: 12:13:11
